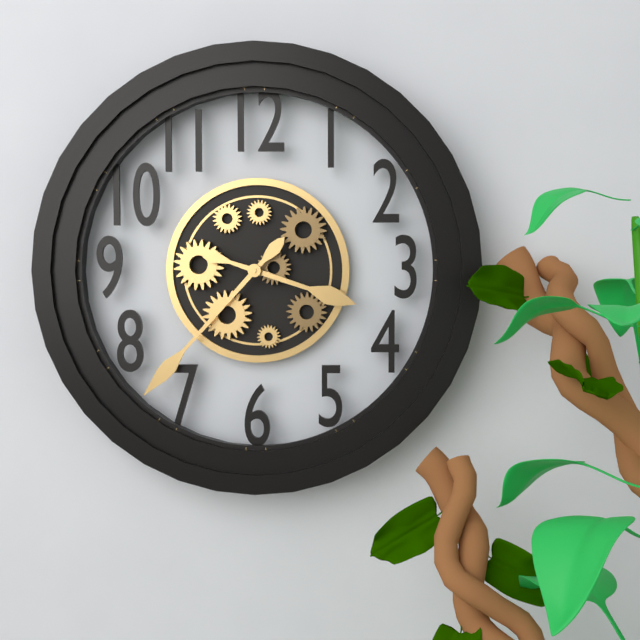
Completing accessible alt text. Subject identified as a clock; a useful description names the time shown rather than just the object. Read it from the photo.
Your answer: 3:37
